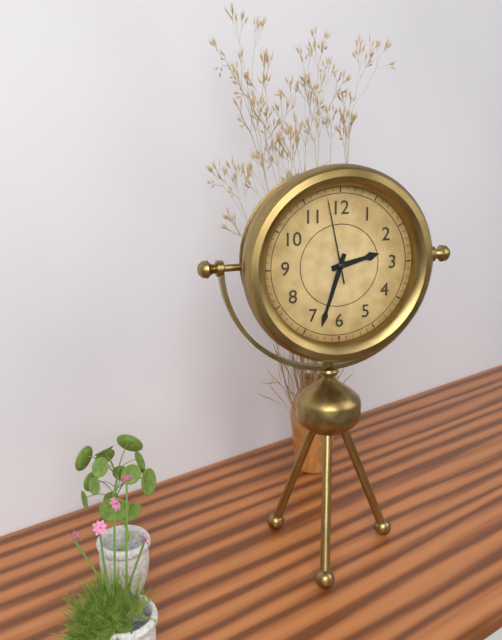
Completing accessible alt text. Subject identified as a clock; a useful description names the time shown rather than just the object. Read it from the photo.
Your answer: 2:33:58
